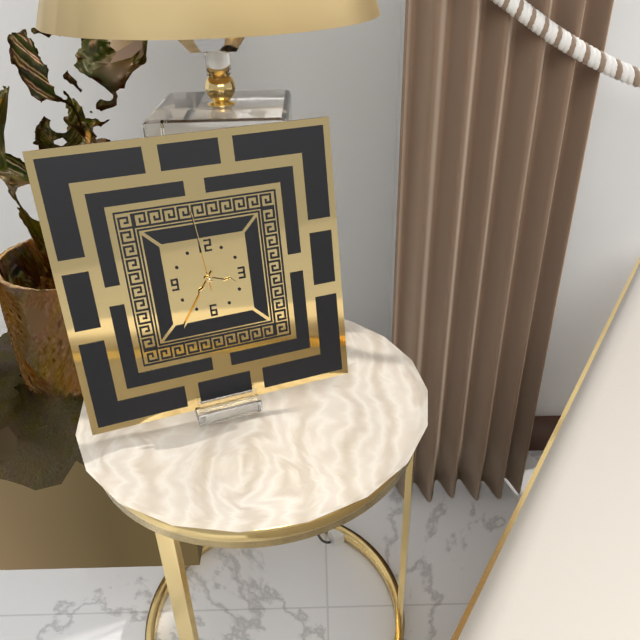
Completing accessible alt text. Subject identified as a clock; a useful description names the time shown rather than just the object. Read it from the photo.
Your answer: 3:36:59
